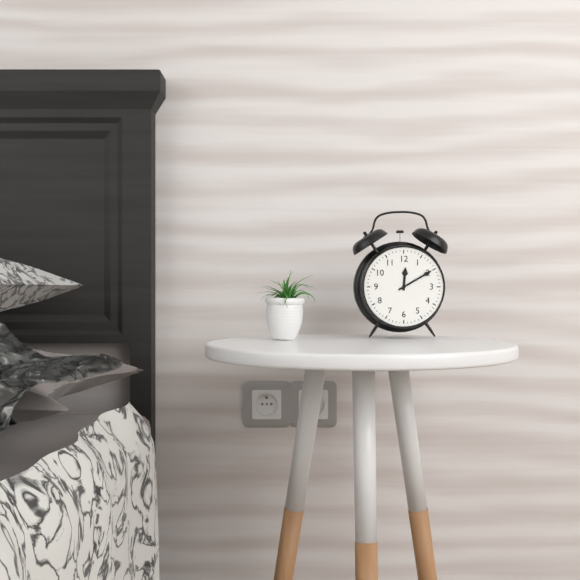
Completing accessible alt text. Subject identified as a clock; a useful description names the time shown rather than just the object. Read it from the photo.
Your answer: 12:10
